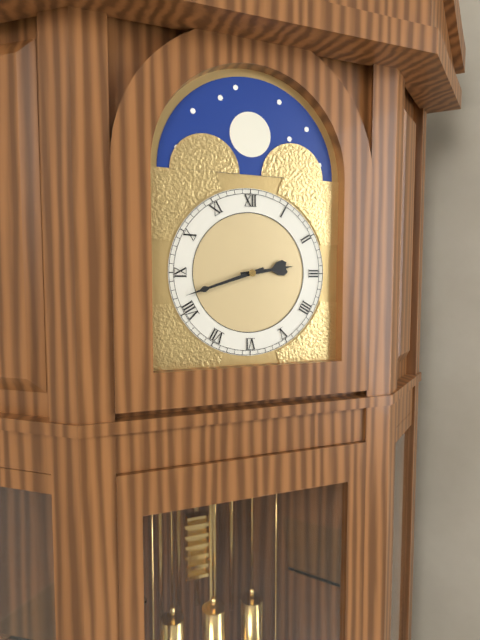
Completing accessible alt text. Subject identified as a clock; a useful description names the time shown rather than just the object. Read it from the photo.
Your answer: 2:42
